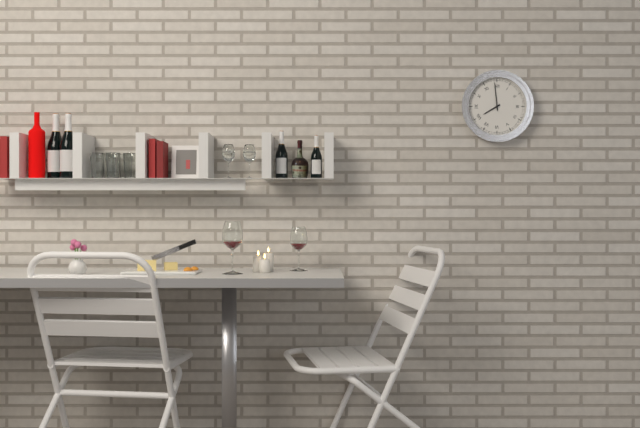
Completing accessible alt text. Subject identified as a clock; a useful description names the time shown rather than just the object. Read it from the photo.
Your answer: 7:59
